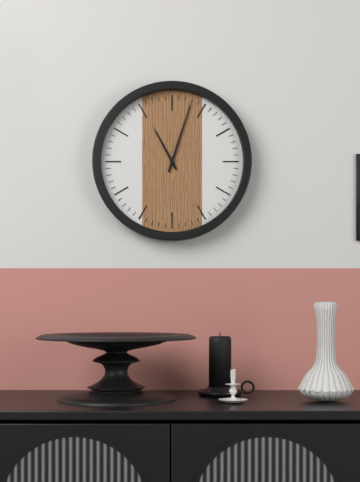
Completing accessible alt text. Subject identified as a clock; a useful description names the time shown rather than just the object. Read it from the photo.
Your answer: 11:03
